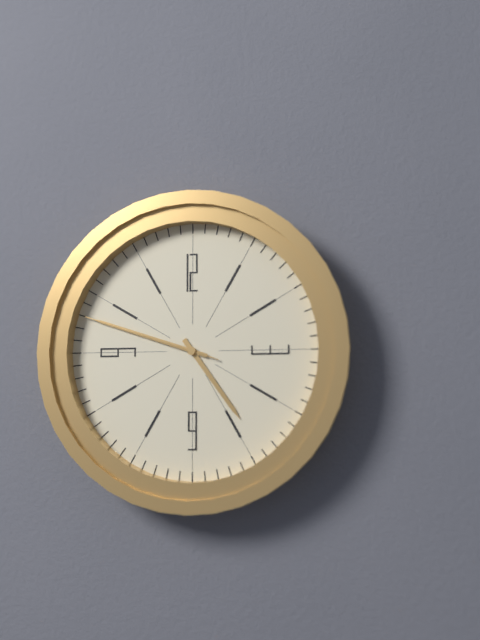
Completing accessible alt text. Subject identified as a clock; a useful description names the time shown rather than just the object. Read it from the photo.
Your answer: 4:48:48
